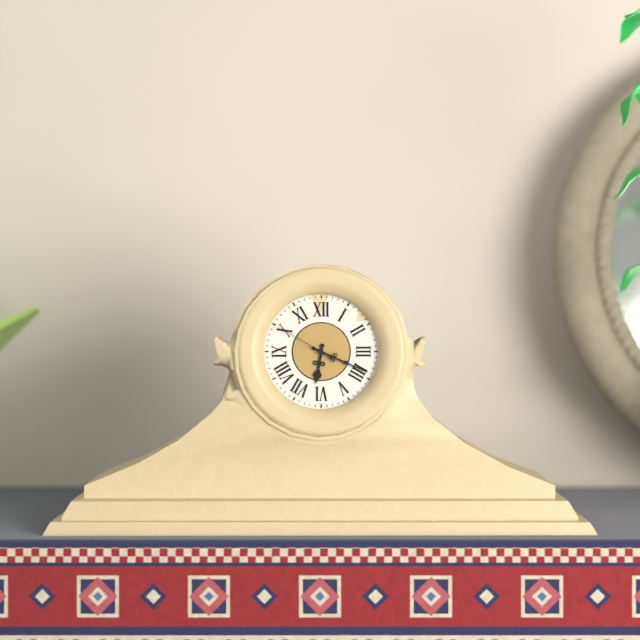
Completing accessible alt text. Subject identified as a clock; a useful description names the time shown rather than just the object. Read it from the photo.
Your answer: 6:19:50
